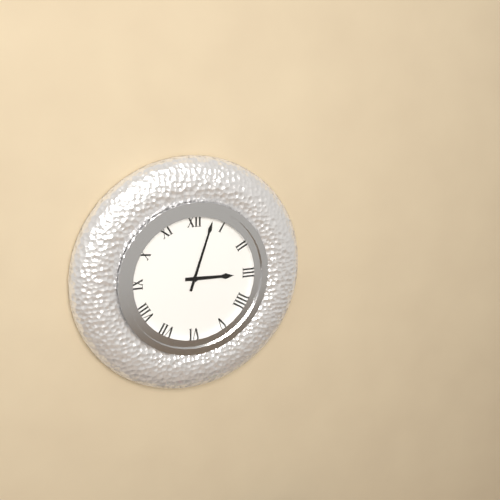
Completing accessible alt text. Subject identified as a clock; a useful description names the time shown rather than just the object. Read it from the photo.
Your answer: 3:03
